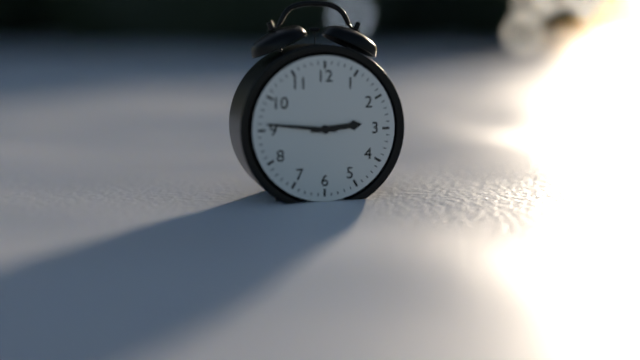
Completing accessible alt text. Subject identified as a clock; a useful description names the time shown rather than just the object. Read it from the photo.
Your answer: 2:46
